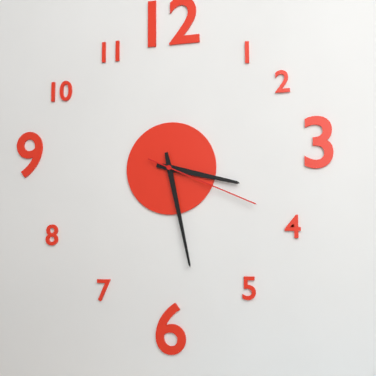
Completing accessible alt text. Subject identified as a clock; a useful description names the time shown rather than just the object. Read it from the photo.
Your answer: 3:28:19
